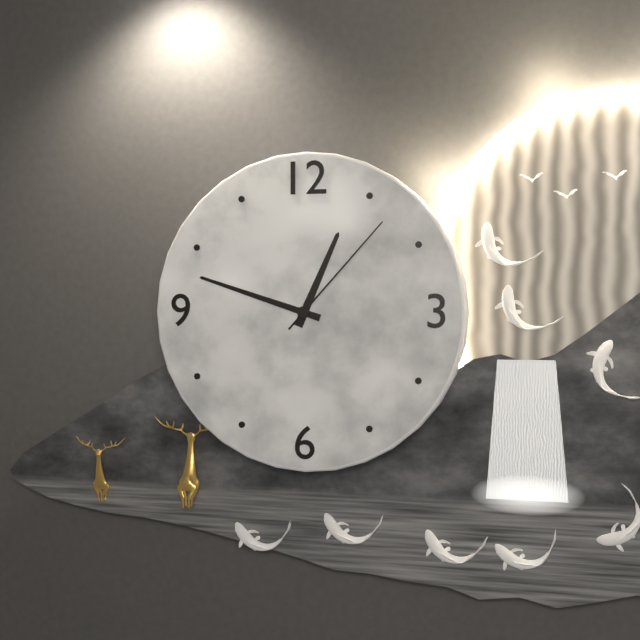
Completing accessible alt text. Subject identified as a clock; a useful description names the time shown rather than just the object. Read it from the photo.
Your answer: 12:48:07
